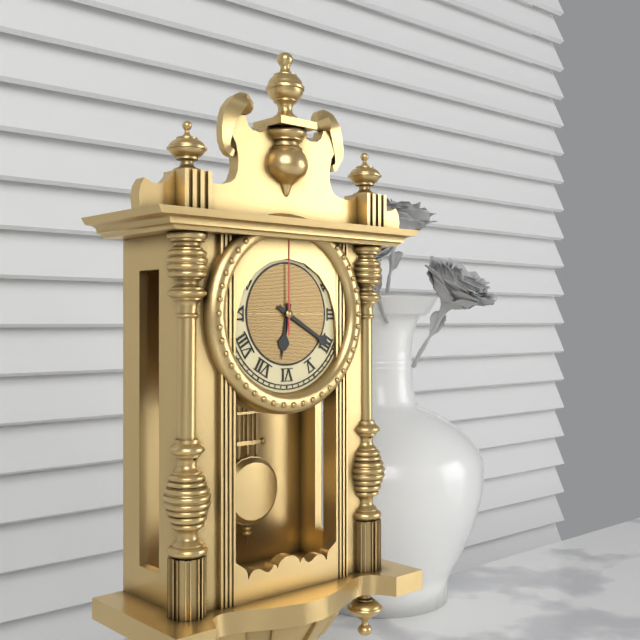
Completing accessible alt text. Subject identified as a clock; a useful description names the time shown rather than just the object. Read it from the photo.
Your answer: 6:20:00
